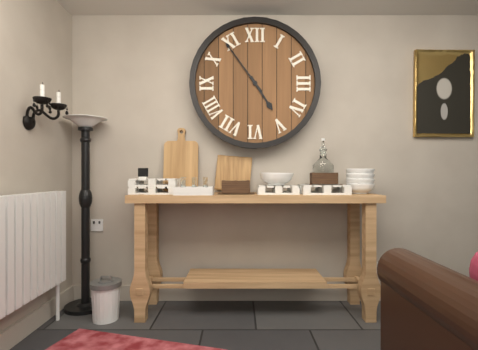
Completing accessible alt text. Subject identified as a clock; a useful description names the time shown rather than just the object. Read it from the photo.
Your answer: 4:54
